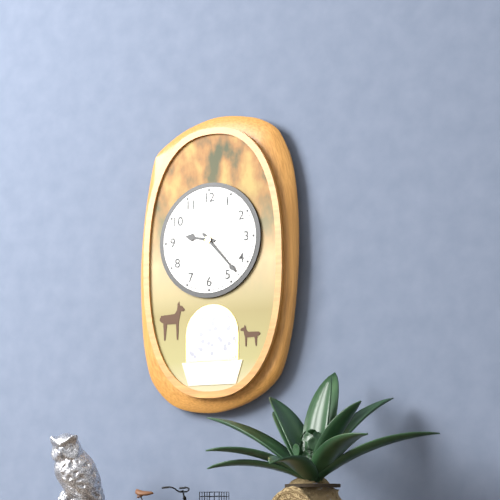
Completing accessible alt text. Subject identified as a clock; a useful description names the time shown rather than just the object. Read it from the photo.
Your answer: 9:23
